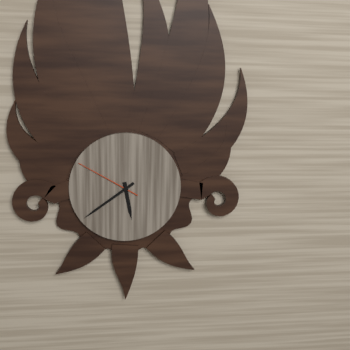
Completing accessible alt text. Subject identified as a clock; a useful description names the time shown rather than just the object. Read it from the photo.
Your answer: 5:39:50
